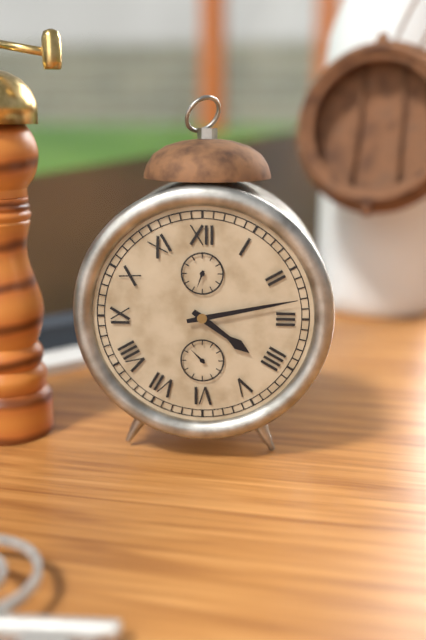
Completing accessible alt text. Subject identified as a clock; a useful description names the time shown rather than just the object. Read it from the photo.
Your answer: 4:13
